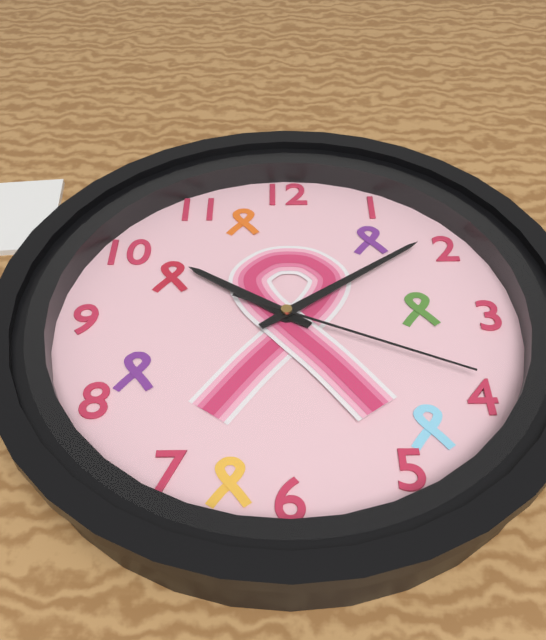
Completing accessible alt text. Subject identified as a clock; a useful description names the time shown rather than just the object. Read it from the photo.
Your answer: 10:09:19
